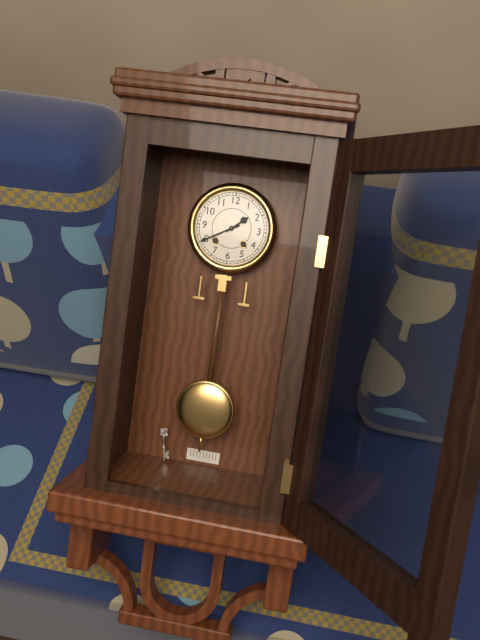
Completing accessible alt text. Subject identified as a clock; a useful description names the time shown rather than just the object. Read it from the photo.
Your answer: 1:40
